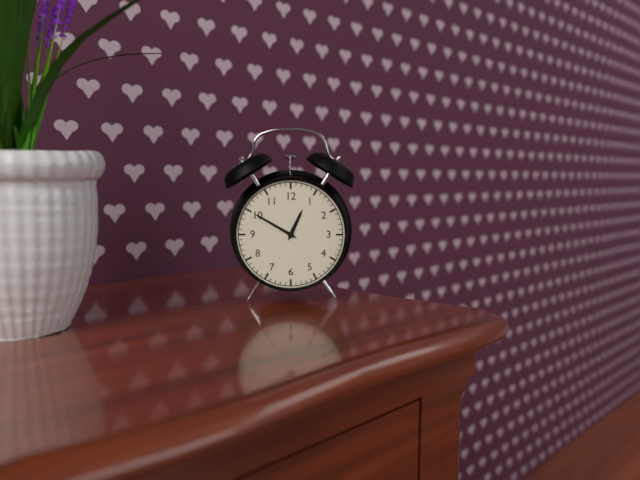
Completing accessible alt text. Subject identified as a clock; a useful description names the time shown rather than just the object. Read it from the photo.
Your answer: 12:50
